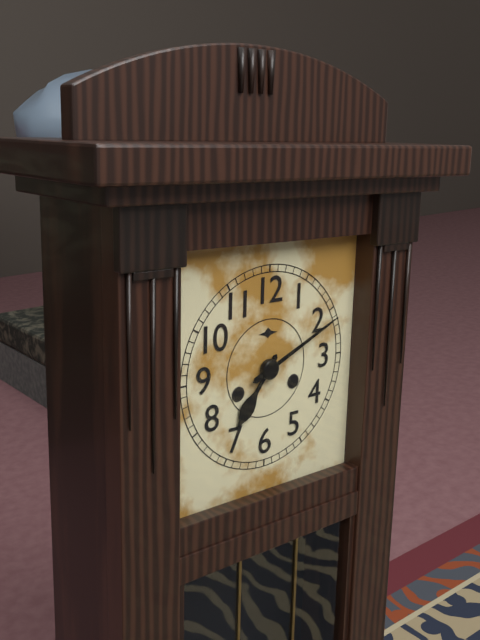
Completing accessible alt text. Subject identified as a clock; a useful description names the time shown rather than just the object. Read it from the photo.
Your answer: 7:11
